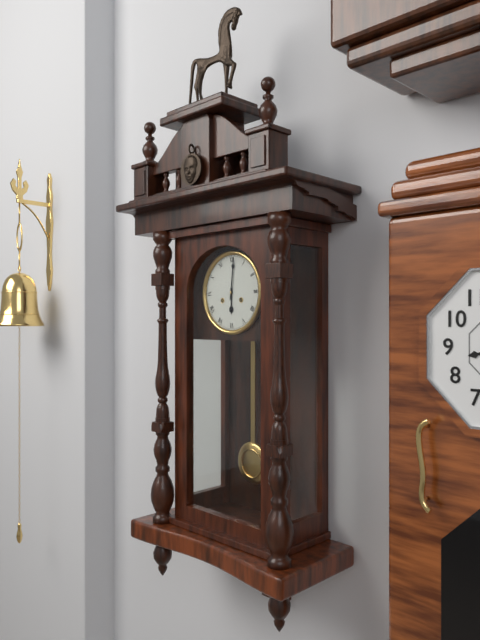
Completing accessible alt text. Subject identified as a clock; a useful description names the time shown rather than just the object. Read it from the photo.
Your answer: 6:01
